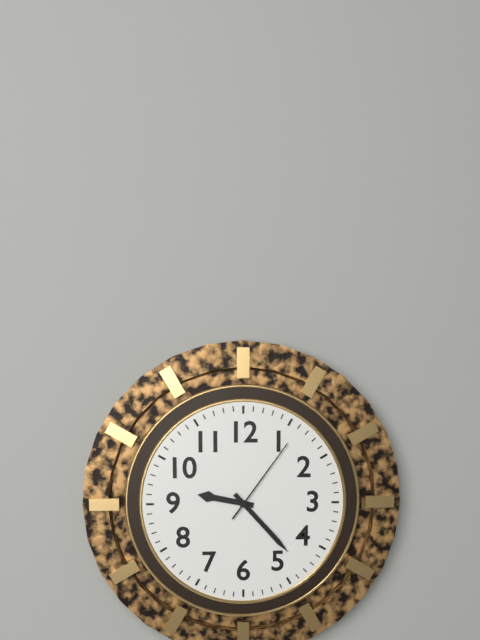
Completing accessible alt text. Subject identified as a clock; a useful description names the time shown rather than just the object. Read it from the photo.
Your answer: 9:23:06
